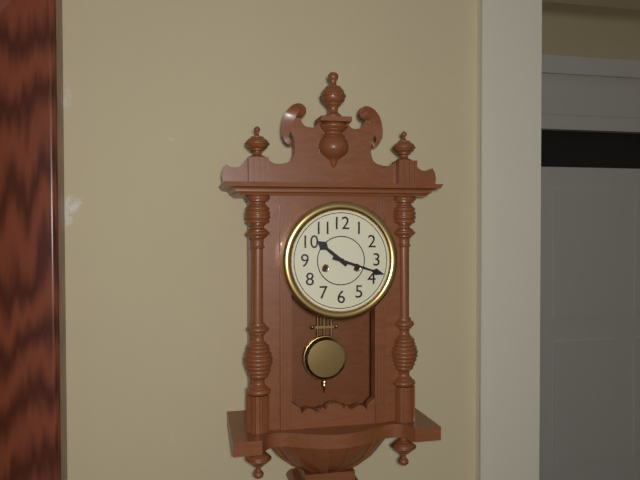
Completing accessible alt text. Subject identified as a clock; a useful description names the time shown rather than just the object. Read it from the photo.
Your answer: 10:18
